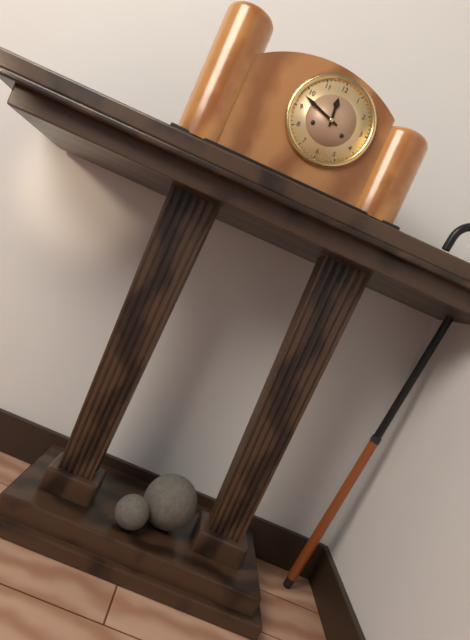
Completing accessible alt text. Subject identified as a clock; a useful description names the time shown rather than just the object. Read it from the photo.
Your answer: 11:48
